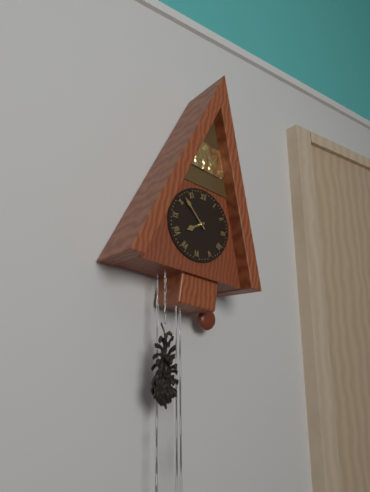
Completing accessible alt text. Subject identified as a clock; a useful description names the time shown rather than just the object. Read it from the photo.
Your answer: 7:52
